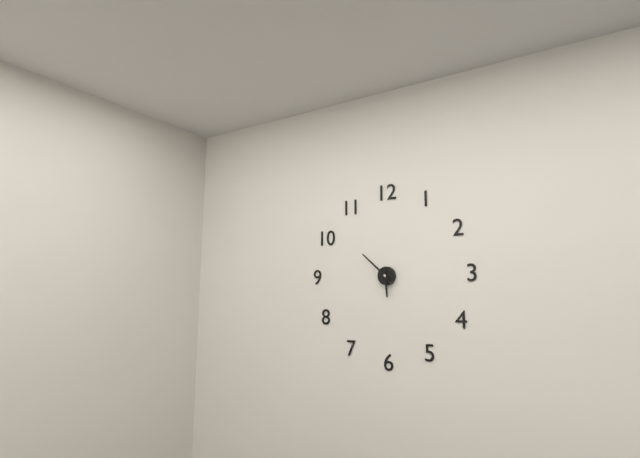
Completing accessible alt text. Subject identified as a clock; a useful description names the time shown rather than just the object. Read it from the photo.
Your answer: 5:52
